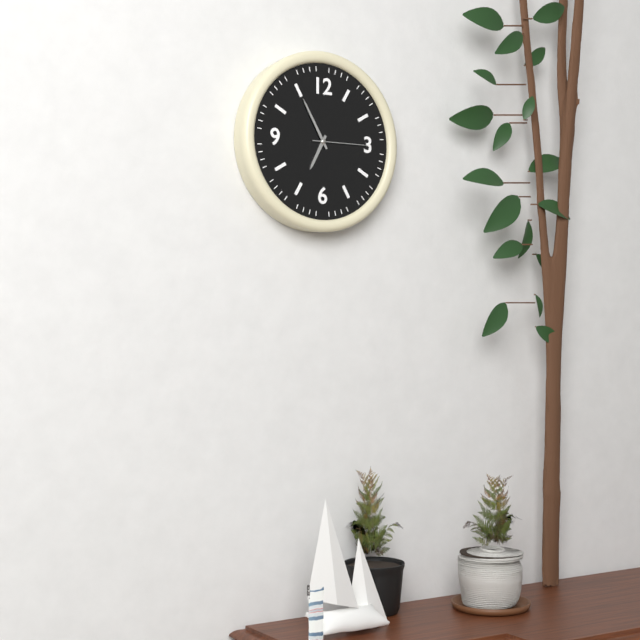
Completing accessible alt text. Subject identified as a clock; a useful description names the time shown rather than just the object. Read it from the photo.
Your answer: 6:55:15
